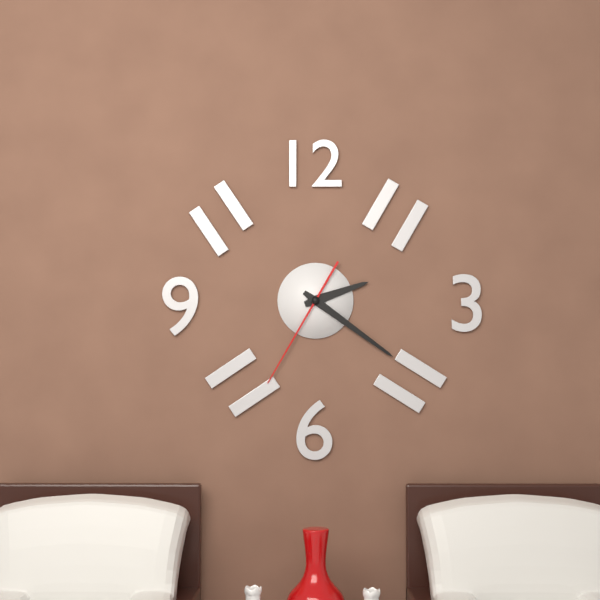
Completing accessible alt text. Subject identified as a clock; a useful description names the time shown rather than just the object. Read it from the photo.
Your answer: 2:21:35
